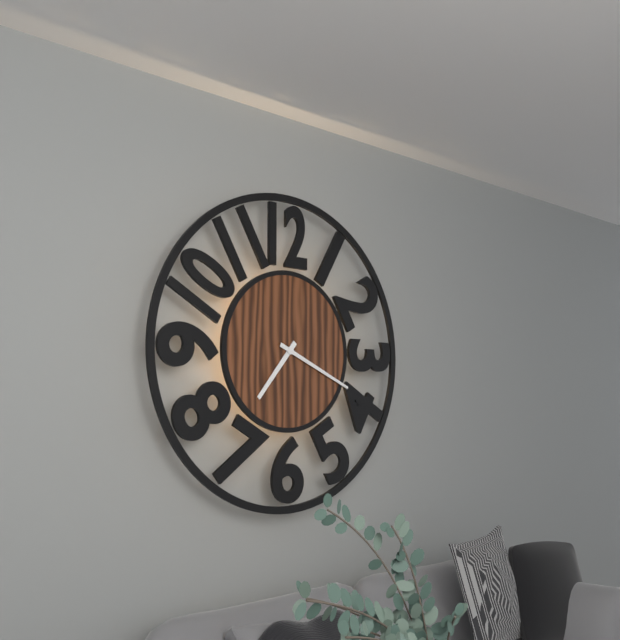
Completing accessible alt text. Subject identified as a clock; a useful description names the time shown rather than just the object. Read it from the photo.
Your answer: 7:19
